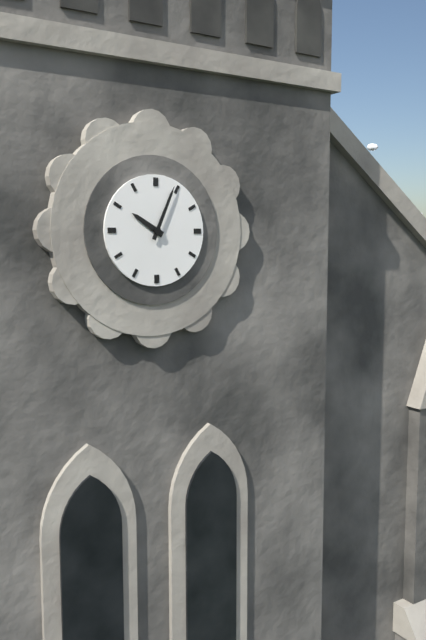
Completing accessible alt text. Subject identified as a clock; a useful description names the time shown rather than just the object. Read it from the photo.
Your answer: 10:04
